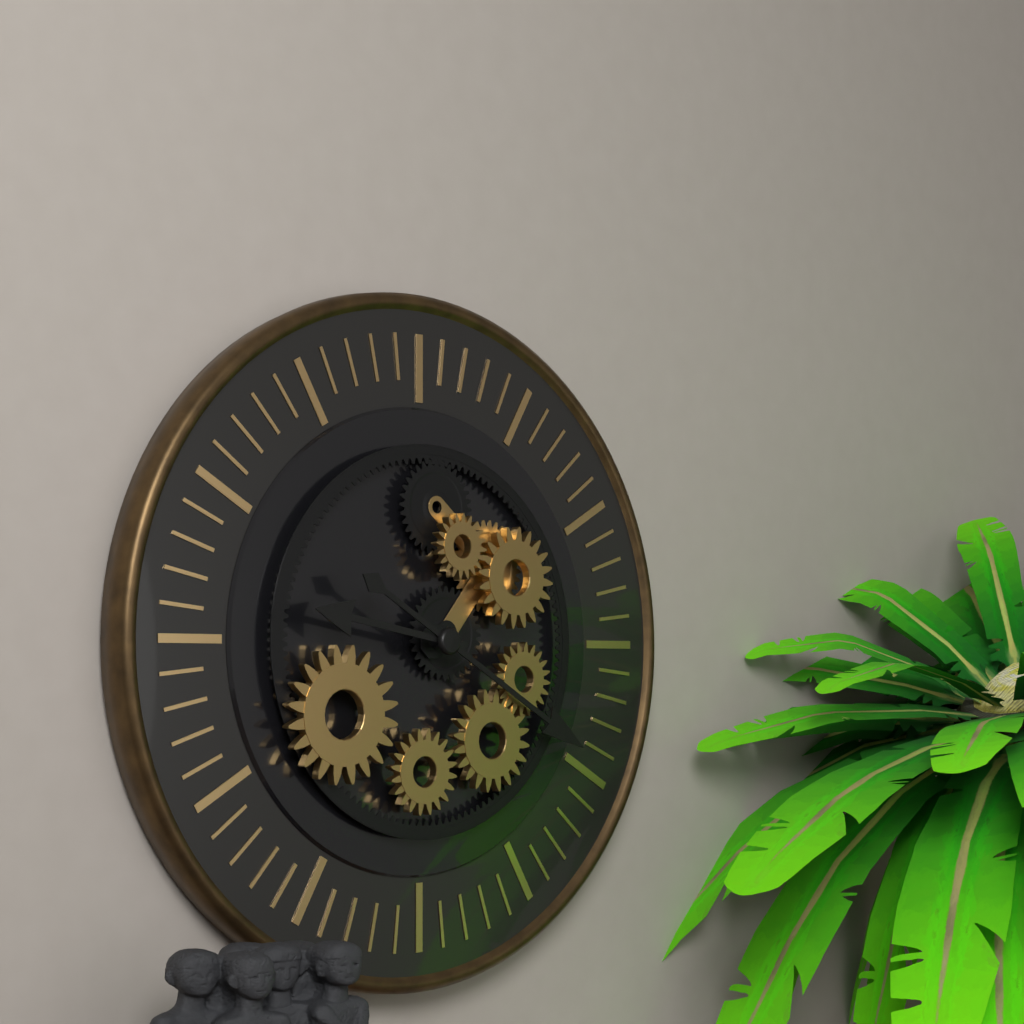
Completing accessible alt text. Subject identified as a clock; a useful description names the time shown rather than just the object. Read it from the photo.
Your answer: 9:20
